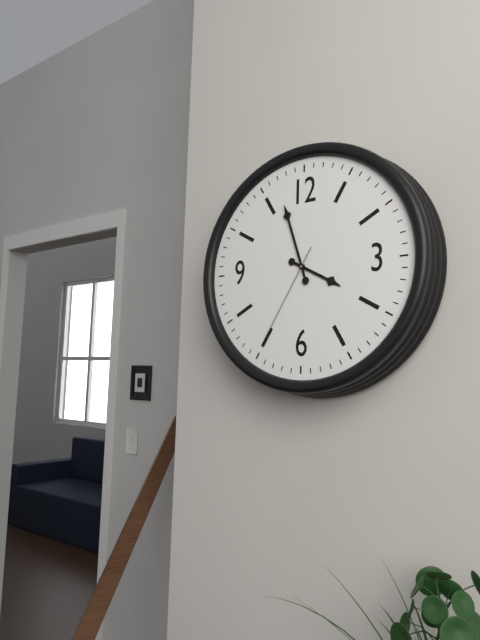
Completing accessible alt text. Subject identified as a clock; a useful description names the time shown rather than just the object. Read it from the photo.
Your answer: 3:57:35
